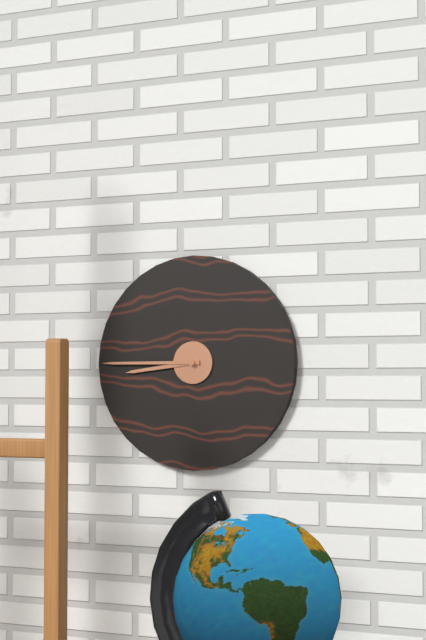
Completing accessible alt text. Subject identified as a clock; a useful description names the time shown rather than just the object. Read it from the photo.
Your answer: 8:45
